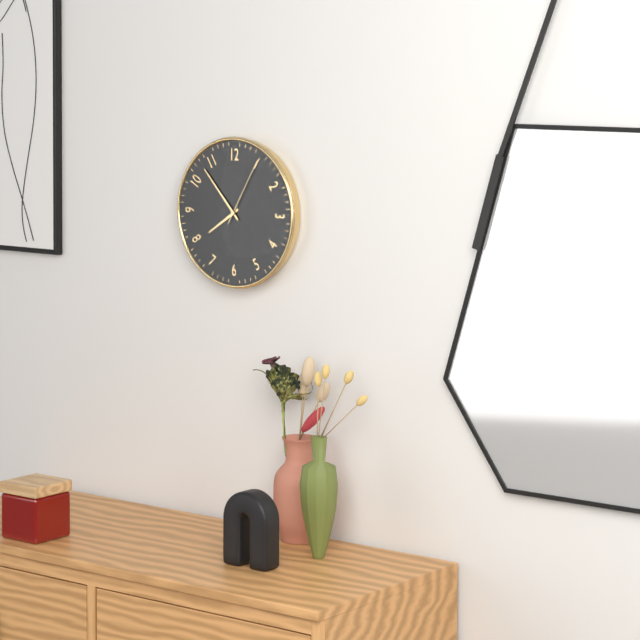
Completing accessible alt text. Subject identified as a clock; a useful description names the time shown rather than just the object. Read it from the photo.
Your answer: 7:53:05
